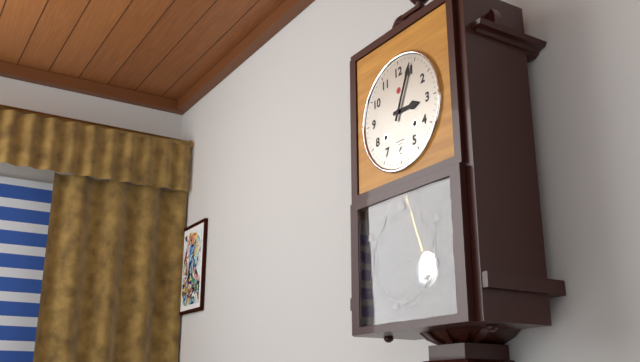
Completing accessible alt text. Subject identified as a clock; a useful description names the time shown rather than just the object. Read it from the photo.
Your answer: 3:04
